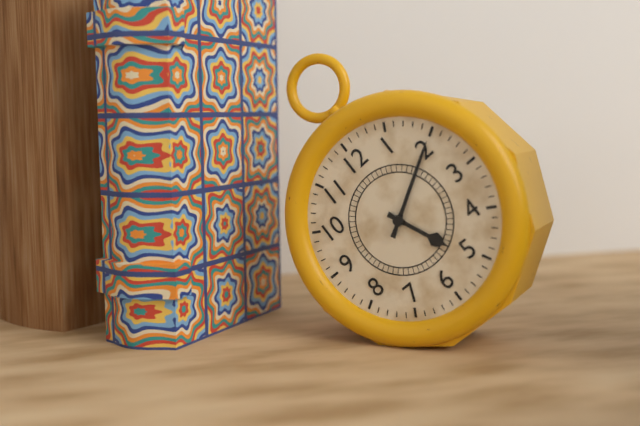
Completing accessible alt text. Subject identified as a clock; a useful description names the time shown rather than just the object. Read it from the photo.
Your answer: 5:10
